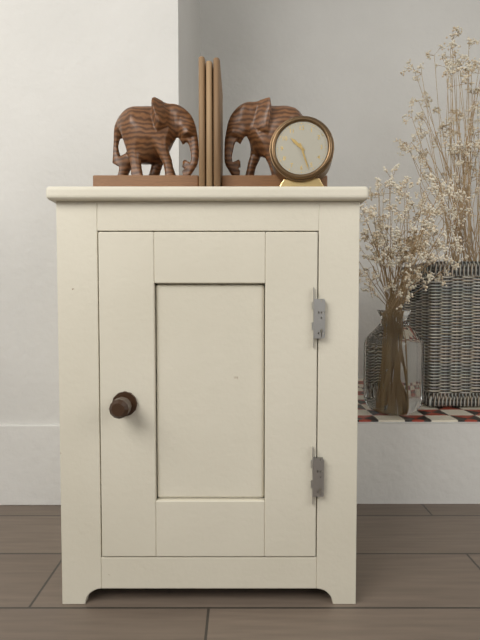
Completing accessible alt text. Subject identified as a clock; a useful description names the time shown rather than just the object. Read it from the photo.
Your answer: 10:27
